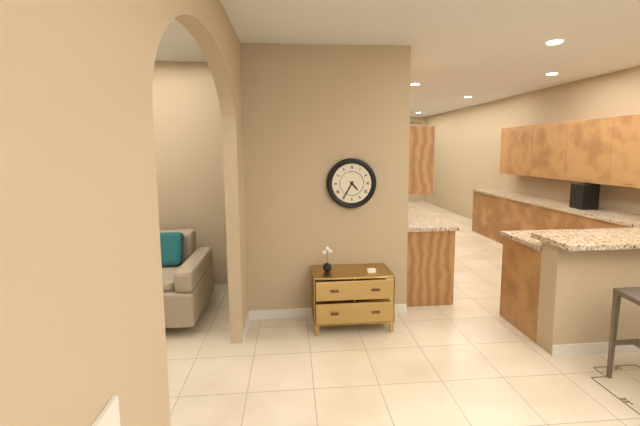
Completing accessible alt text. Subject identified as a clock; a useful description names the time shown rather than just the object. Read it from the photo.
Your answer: 4:35
